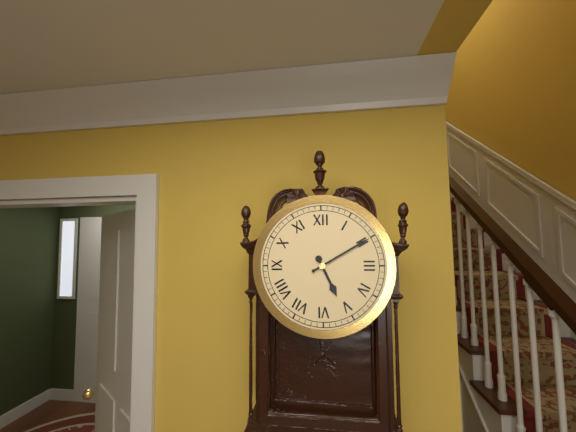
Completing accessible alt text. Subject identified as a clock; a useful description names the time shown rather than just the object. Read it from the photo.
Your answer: 5:10
